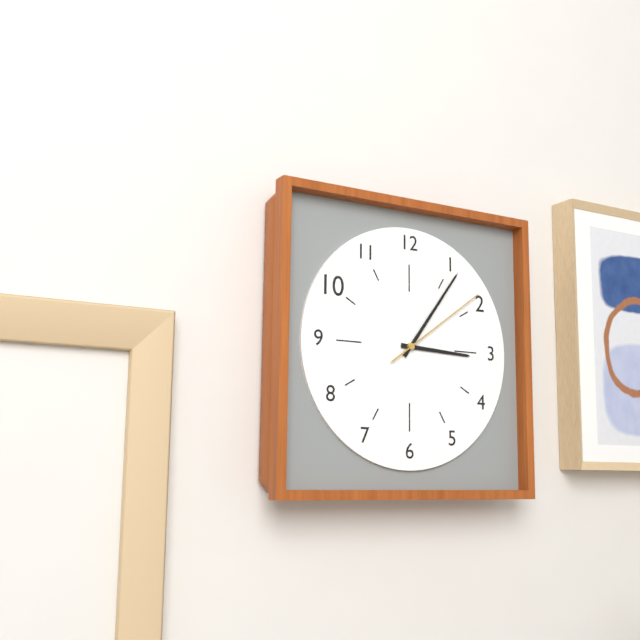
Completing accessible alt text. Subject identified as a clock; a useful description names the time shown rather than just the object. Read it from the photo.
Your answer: 3:06:09
